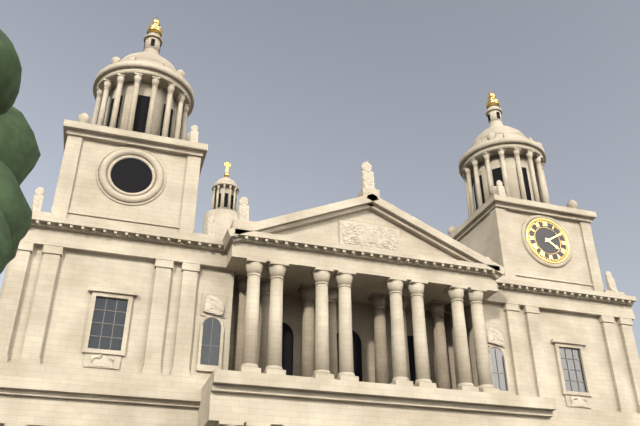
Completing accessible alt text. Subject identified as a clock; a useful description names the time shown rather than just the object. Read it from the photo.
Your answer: 4:10
